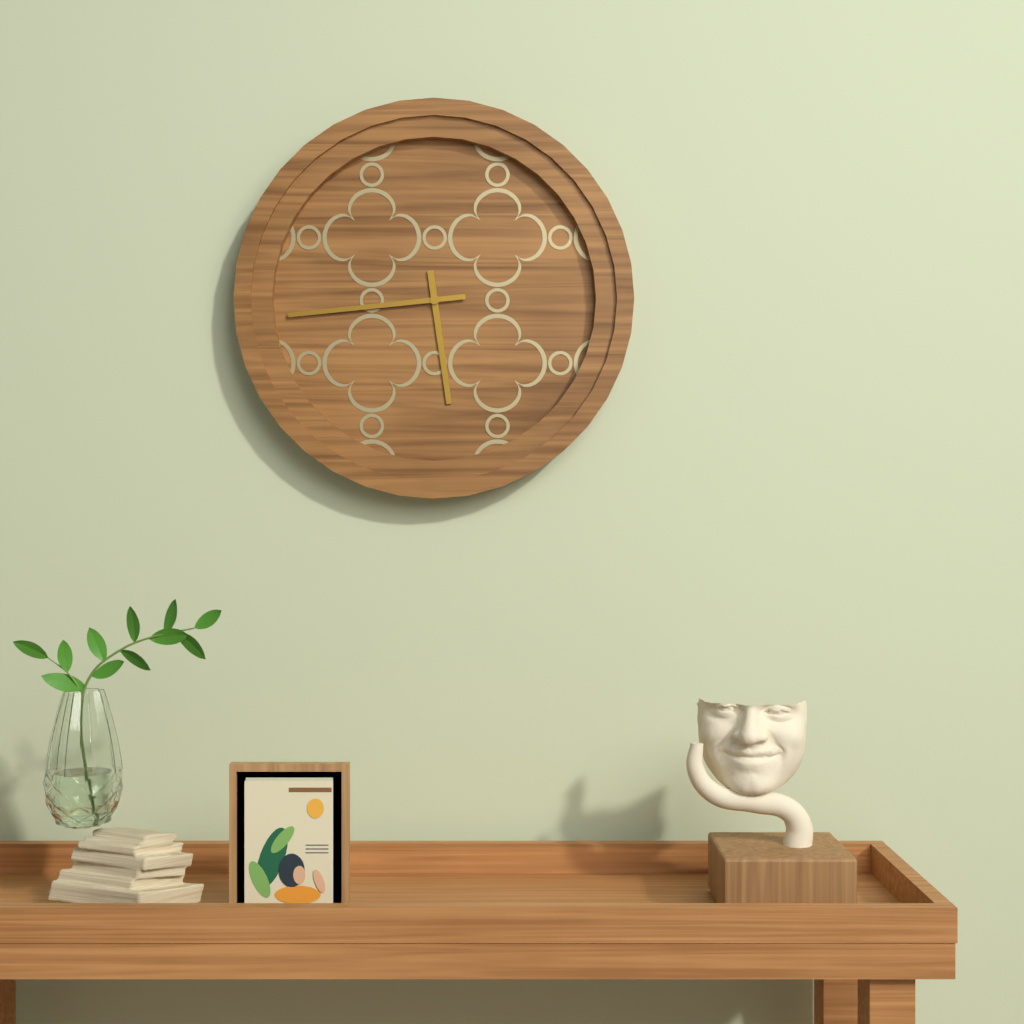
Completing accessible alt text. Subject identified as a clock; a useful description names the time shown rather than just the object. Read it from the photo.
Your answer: 5:44
